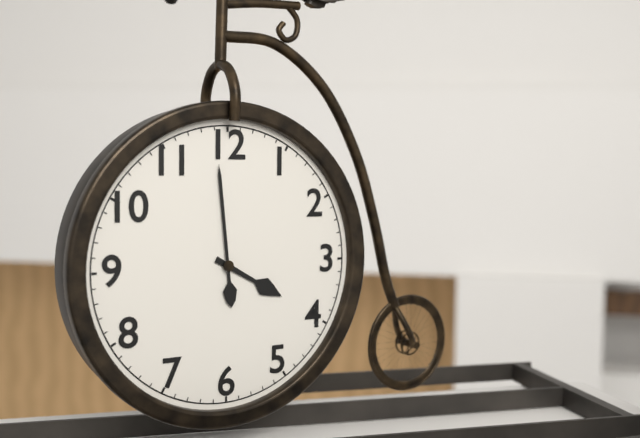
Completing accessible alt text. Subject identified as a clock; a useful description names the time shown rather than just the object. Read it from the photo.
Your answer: 3:59
